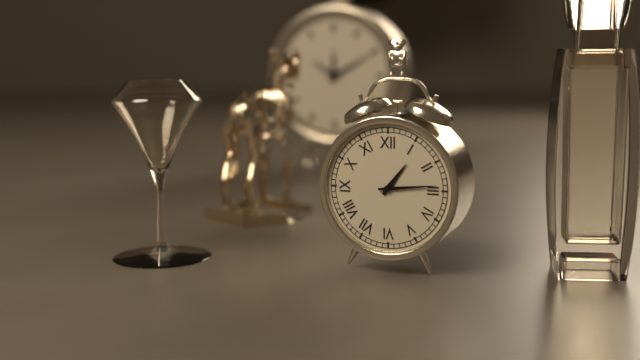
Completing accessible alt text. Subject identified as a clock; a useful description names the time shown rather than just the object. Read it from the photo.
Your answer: 1:14
